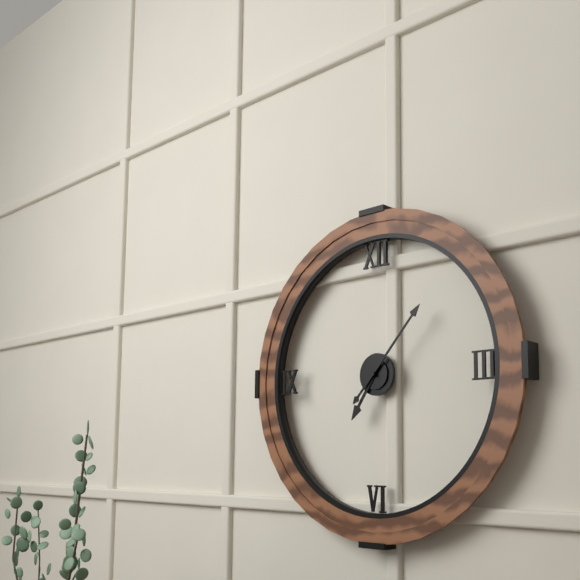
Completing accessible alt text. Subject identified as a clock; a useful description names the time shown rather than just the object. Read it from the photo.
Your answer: 7:07
